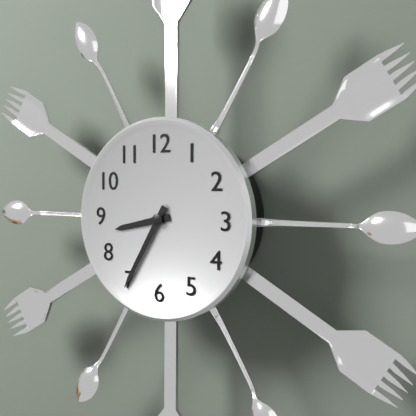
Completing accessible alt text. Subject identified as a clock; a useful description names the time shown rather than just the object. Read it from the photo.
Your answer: 8:35
